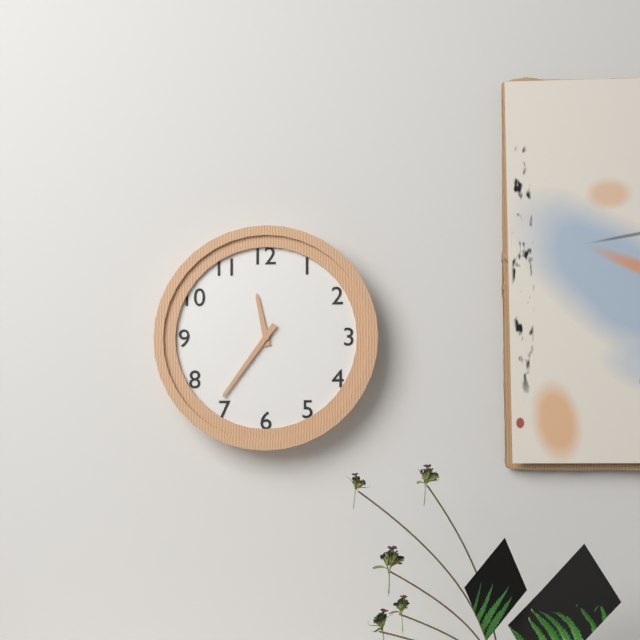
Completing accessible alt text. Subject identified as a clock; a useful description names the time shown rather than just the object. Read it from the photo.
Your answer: 11:36
